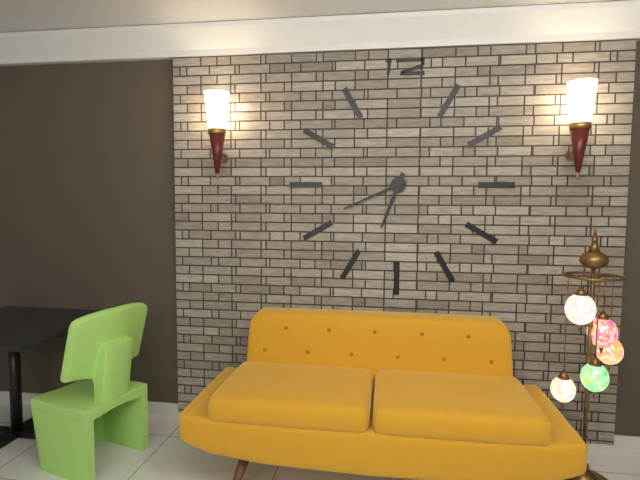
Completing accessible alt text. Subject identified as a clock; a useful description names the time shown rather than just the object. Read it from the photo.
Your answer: 6:41
